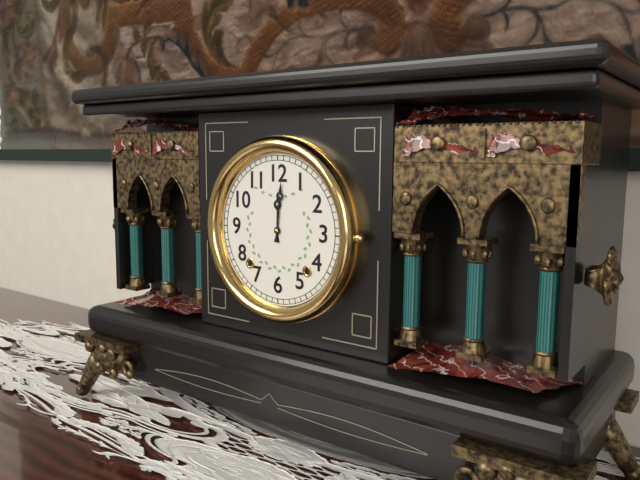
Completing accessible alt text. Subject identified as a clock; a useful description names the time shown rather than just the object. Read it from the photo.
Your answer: 12:01
